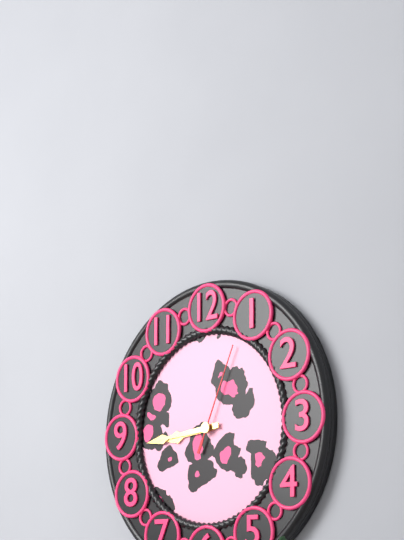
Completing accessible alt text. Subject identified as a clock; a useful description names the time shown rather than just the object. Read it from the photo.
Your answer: 8:44:04
